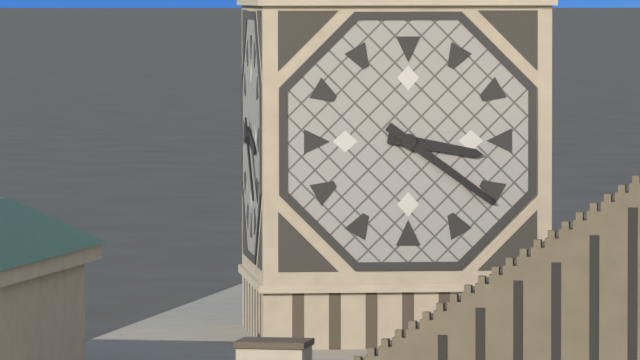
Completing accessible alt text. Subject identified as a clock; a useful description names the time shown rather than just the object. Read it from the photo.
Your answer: 3:21
